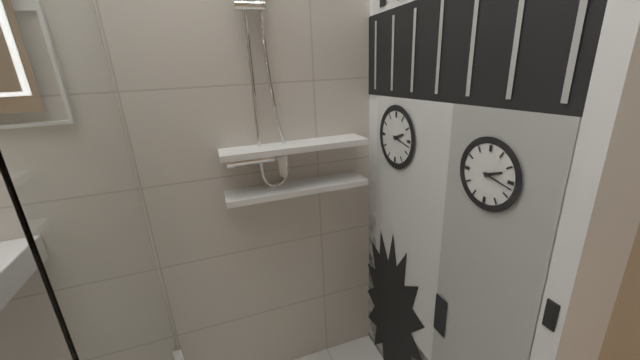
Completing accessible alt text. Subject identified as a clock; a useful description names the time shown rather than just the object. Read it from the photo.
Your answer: 2:17
